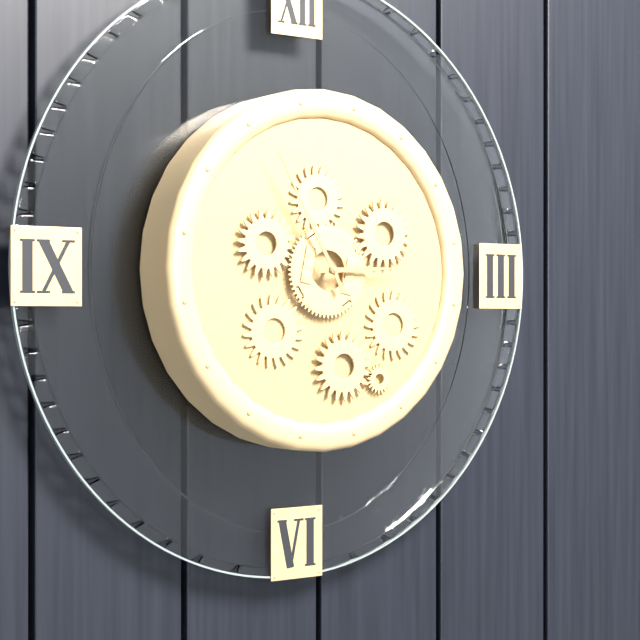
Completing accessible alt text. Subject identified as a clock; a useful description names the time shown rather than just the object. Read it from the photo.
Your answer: 2:55
